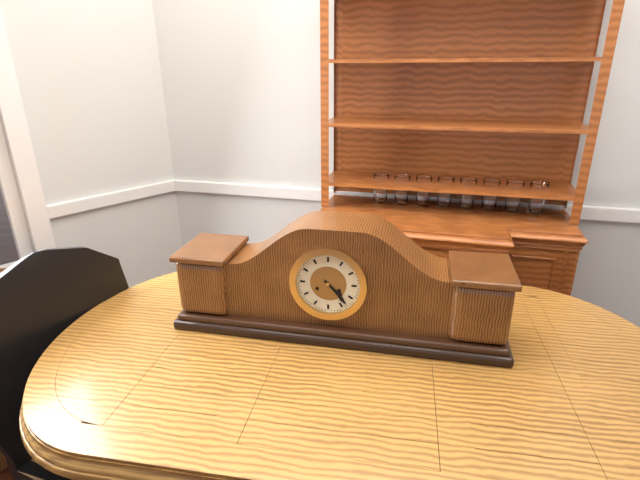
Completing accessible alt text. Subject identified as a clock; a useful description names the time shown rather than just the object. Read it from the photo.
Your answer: 4:23
